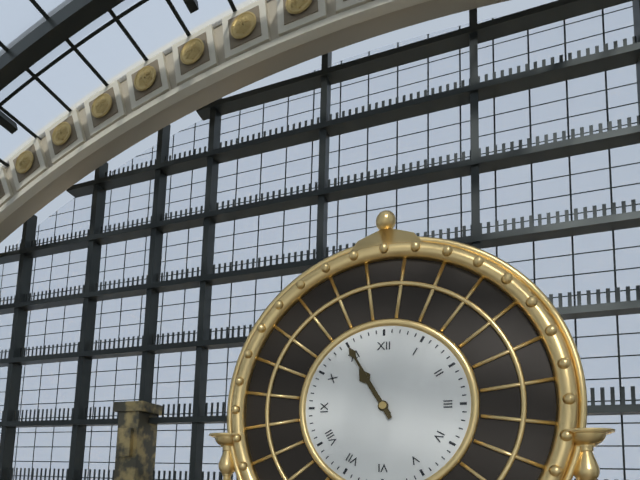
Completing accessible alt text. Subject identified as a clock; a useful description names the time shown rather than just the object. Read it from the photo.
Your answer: 10:55
